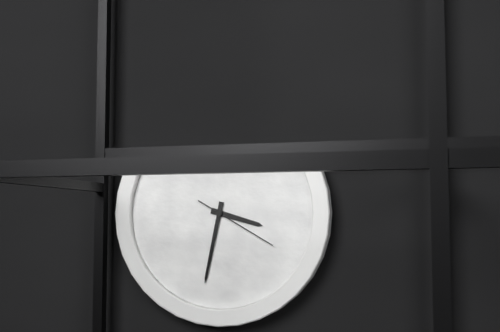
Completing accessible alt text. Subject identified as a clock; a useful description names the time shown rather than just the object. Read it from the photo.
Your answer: 3:32:20
